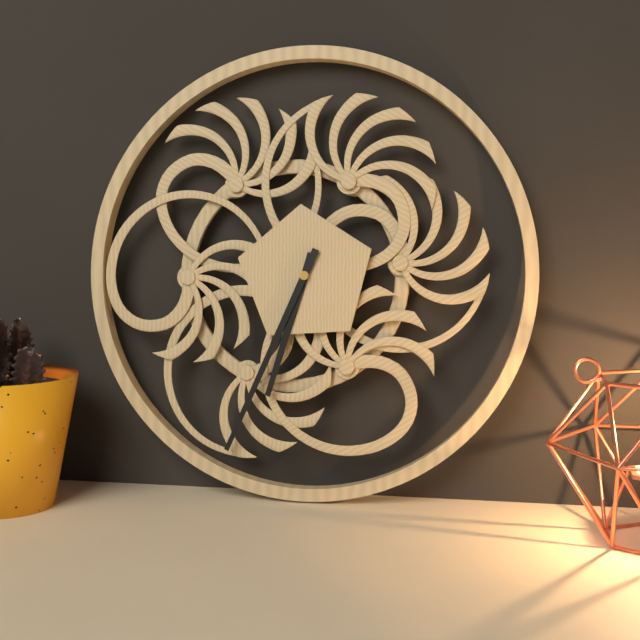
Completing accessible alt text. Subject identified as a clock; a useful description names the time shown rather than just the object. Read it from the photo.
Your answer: 6:34
